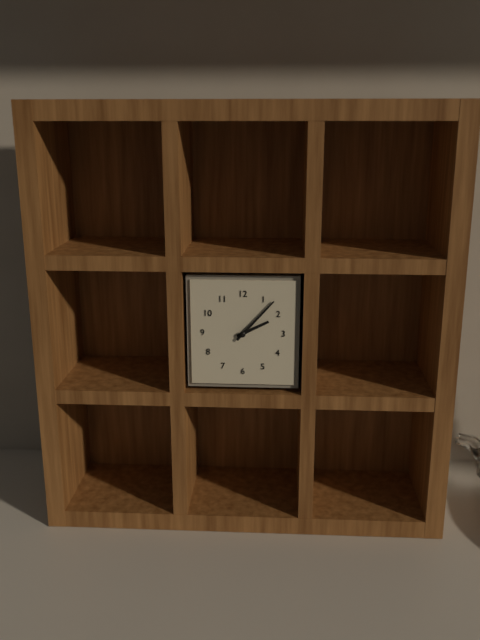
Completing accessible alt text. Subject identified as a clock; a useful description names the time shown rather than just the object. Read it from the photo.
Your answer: 2:07
